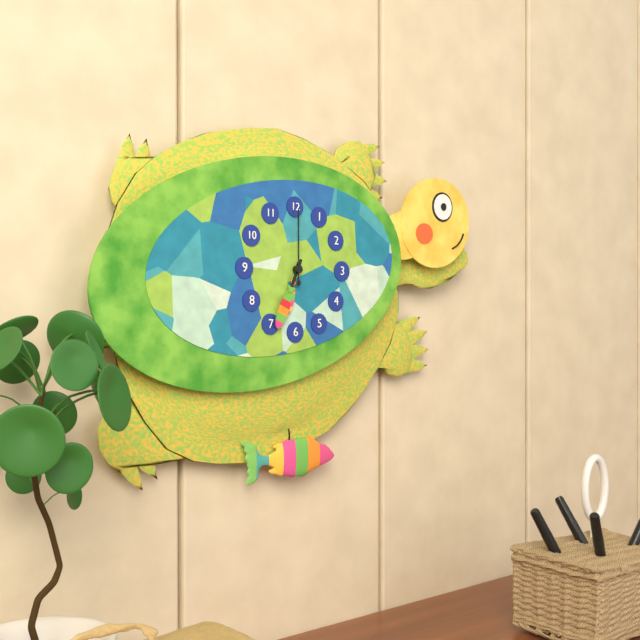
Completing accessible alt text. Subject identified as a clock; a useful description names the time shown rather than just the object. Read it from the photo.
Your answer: 6:34:00
